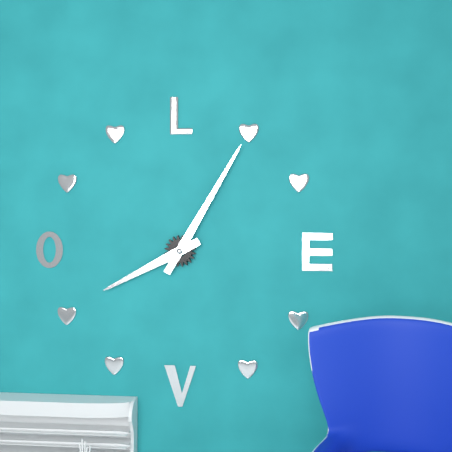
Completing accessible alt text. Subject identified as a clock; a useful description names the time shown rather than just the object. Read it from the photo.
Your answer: 8:05
